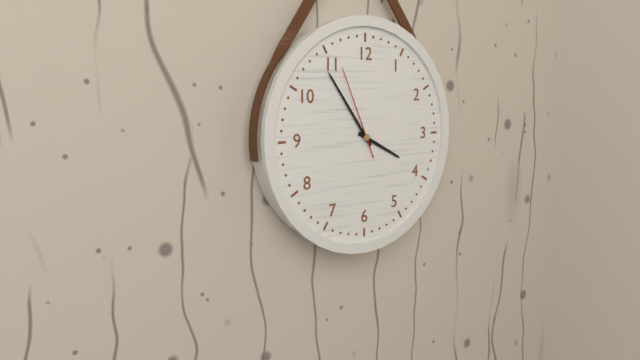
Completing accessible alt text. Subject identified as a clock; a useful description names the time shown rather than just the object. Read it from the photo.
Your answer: 3:54:56
